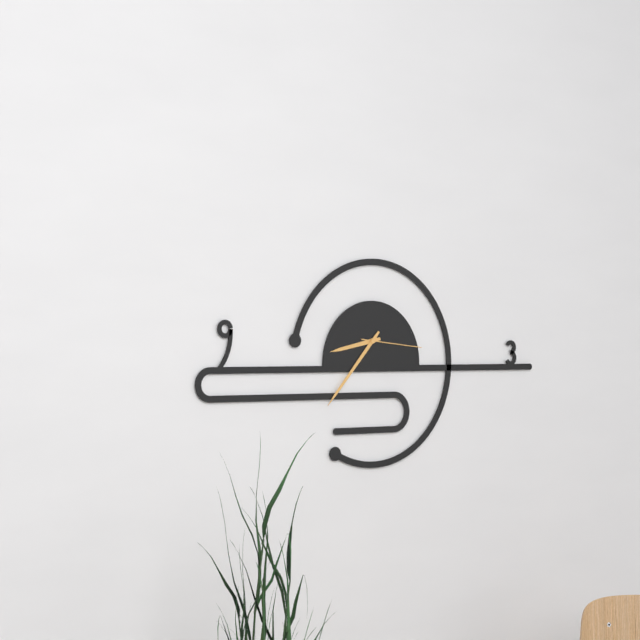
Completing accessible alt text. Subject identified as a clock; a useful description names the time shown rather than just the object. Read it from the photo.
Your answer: 8:37:16
